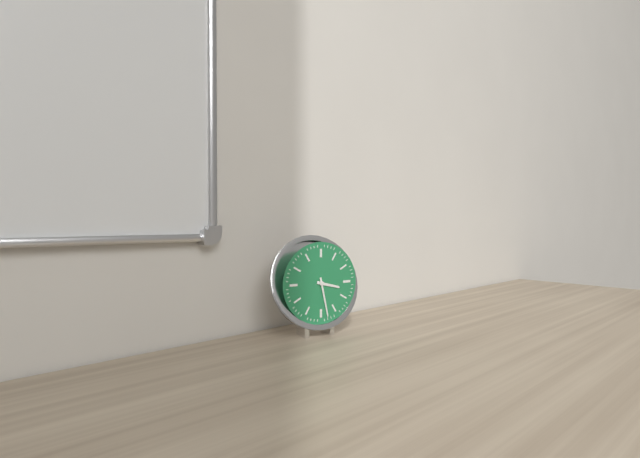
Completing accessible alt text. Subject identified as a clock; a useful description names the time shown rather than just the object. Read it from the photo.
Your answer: 3:28
